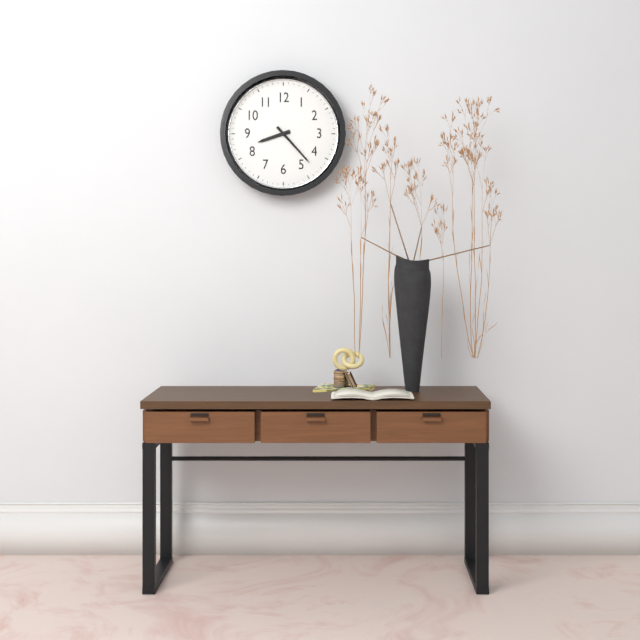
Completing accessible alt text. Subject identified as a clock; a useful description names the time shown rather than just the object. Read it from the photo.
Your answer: 8:23
